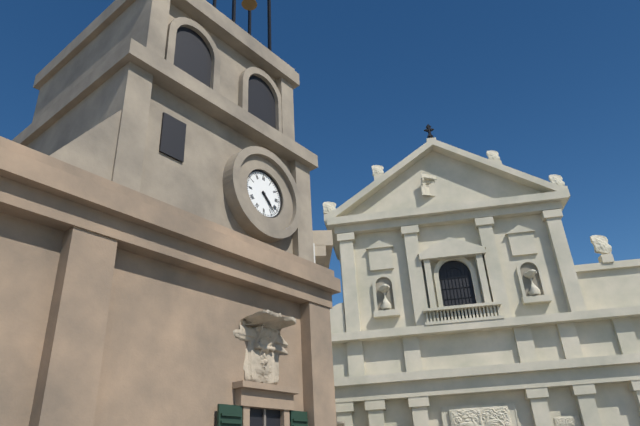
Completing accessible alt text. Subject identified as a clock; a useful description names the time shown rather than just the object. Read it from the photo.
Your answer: 4:23
